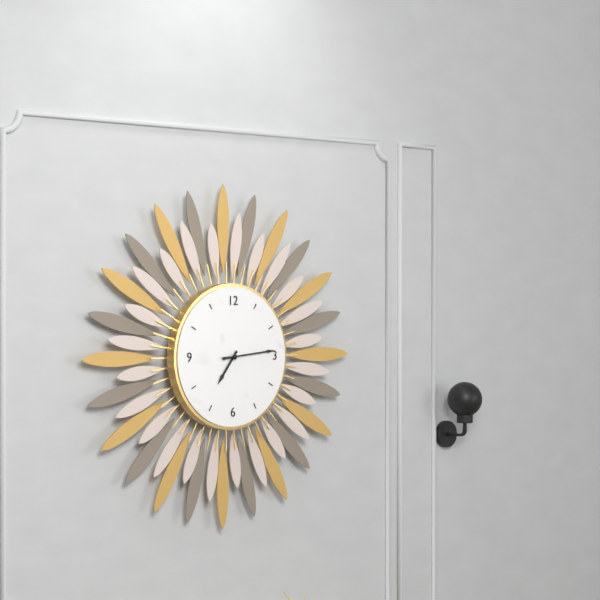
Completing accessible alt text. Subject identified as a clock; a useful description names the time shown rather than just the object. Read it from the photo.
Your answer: 7:14
